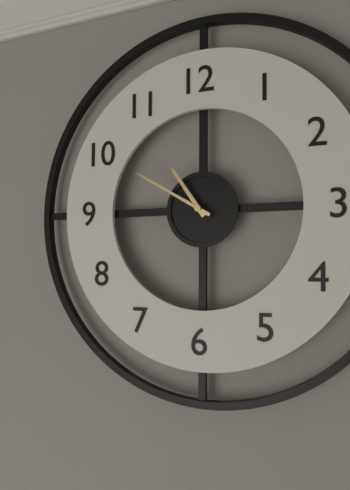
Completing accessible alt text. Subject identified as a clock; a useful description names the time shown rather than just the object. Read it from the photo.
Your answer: 10:50
